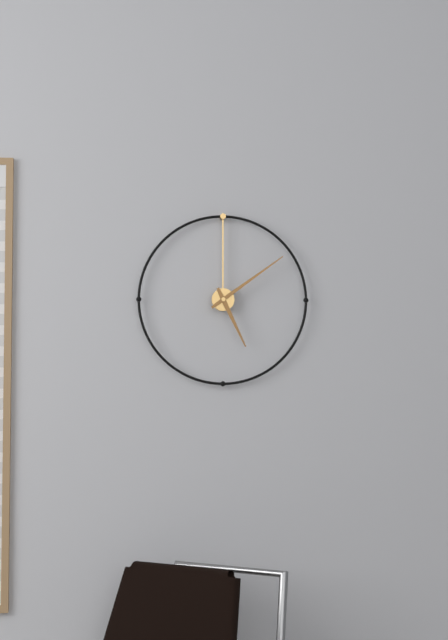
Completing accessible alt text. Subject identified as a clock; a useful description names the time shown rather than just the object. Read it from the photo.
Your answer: 5:09
